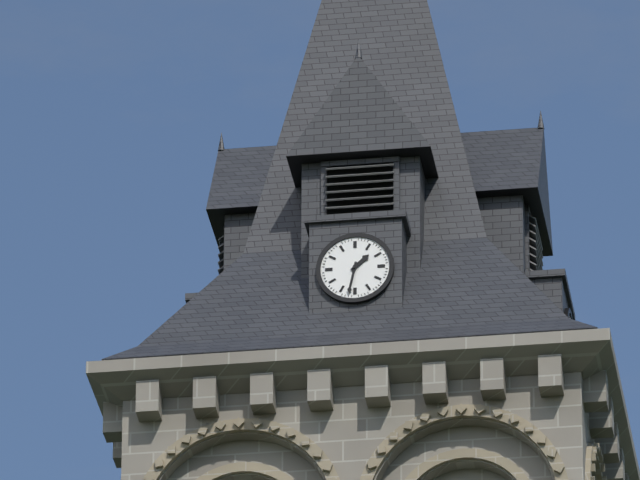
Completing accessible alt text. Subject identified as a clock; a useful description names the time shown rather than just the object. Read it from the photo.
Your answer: 1:32
